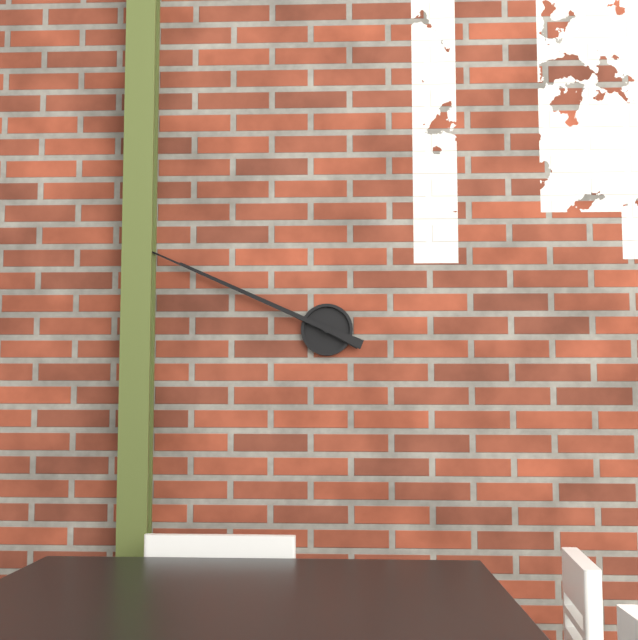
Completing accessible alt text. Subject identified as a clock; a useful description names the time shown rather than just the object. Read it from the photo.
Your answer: 9:49
